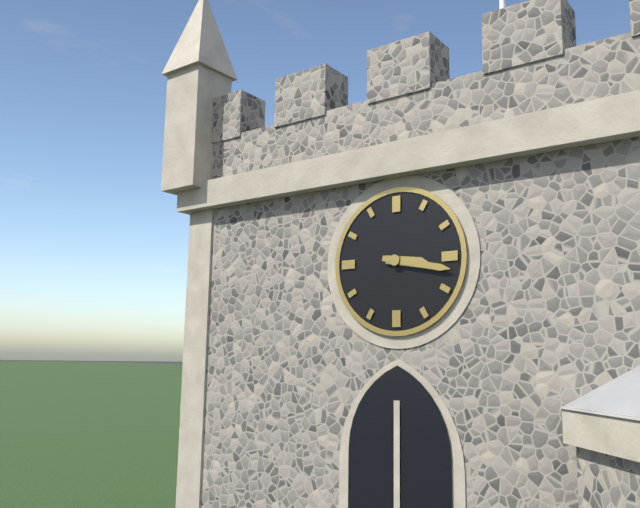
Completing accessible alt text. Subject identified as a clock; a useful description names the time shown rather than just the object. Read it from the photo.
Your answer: 3:17
